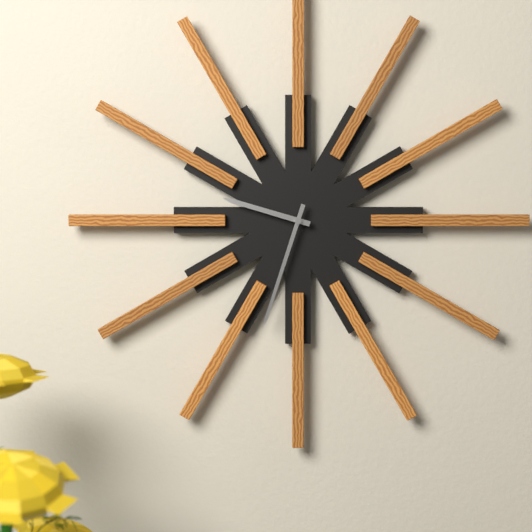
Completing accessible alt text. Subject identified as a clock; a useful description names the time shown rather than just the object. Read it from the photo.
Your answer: 9:33
